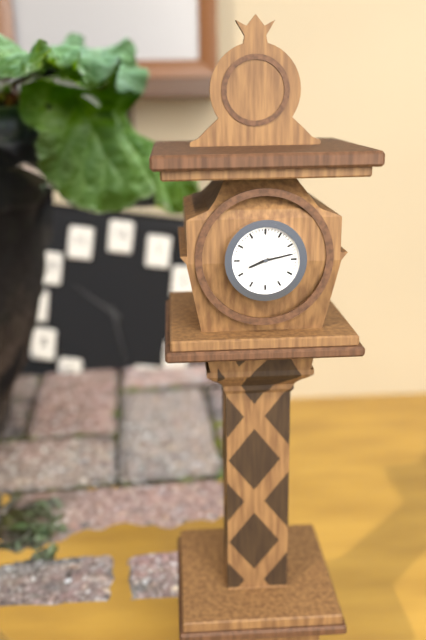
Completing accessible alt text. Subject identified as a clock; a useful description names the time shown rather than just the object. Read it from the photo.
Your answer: 8:13
